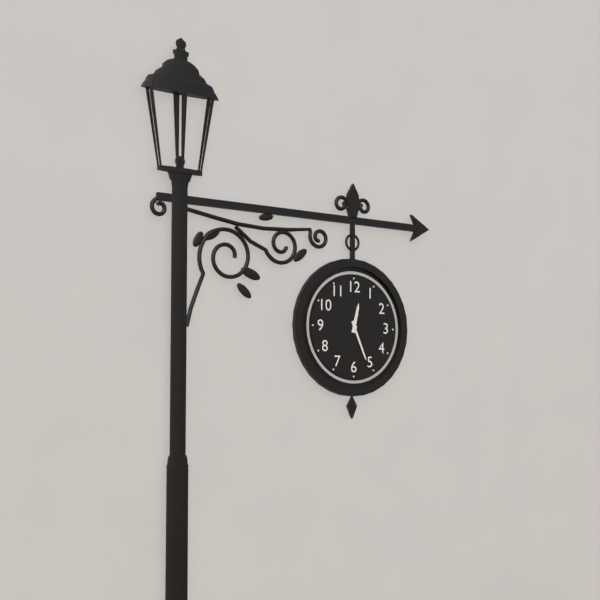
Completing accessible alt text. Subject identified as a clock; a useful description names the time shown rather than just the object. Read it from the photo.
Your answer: 12:26
